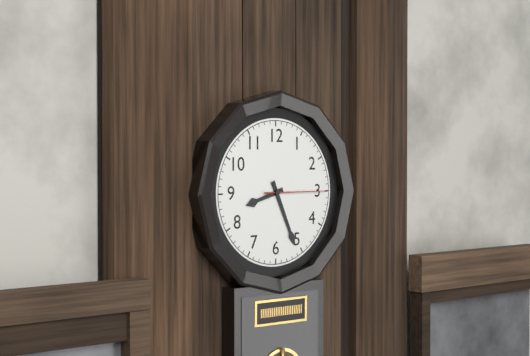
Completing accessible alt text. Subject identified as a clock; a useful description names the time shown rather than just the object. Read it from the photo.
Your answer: 8:26:15
